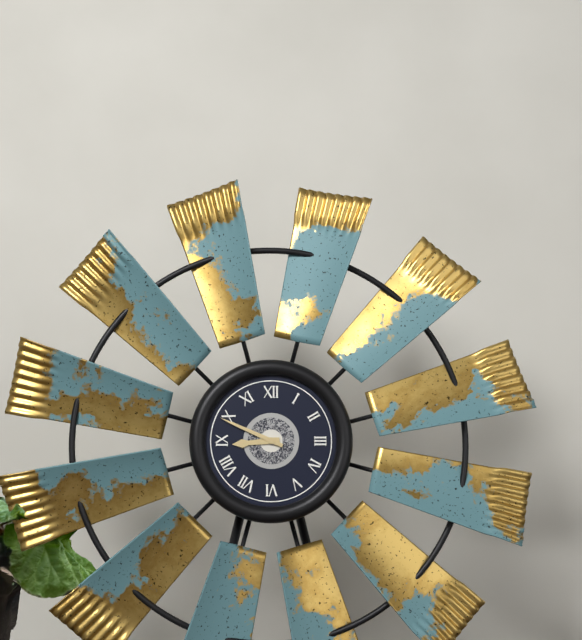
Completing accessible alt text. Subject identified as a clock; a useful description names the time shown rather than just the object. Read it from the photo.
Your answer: 8:49
